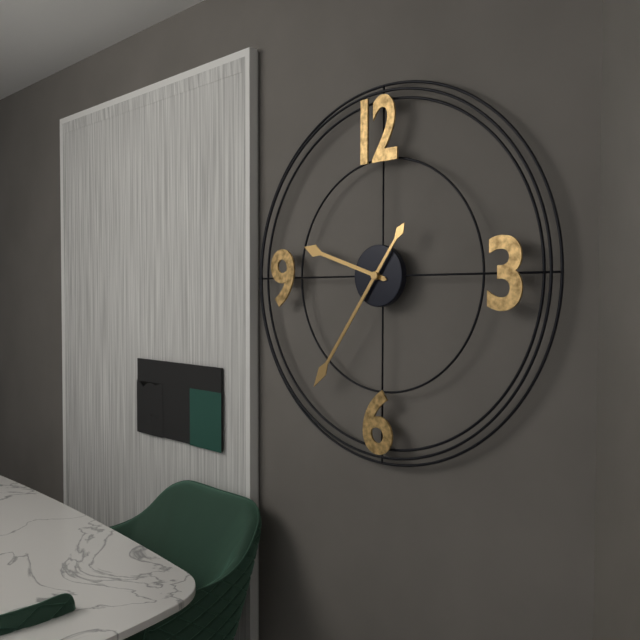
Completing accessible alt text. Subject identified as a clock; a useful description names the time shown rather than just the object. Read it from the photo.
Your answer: 9:36
